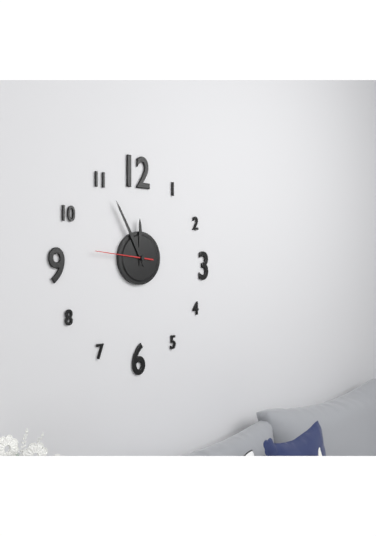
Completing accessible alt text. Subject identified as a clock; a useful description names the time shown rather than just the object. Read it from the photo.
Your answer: 11:55:46
